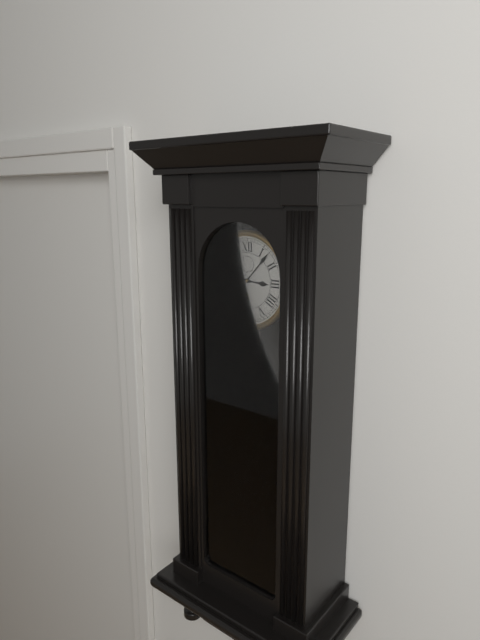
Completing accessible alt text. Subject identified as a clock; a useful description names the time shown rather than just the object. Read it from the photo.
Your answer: 3:07
